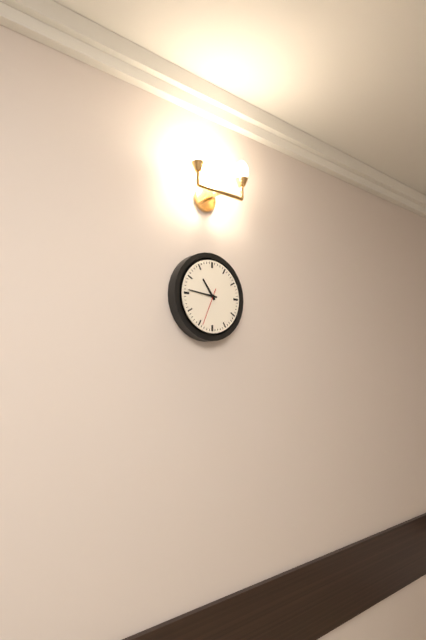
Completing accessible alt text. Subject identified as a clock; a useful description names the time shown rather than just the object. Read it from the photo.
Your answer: 10:46
